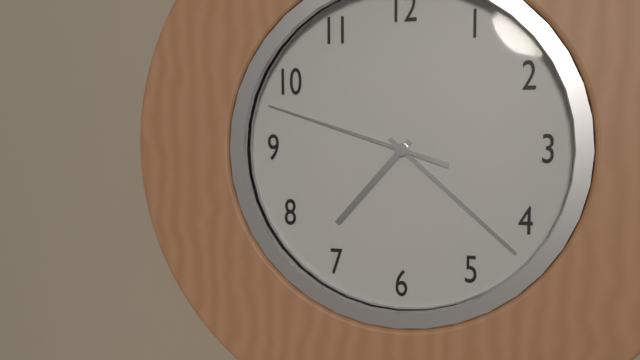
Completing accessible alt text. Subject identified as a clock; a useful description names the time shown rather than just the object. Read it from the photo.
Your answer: 7:22:48
